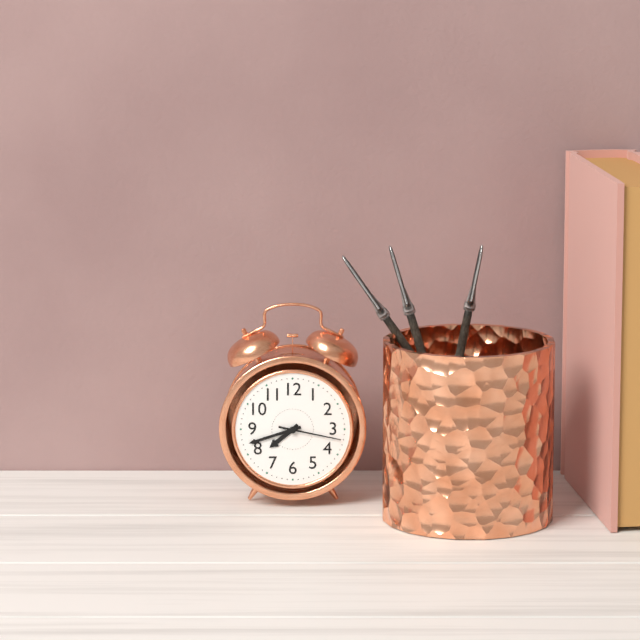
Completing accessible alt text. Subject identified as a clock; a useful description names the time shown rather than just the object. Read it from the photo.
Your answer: 7:42:17
